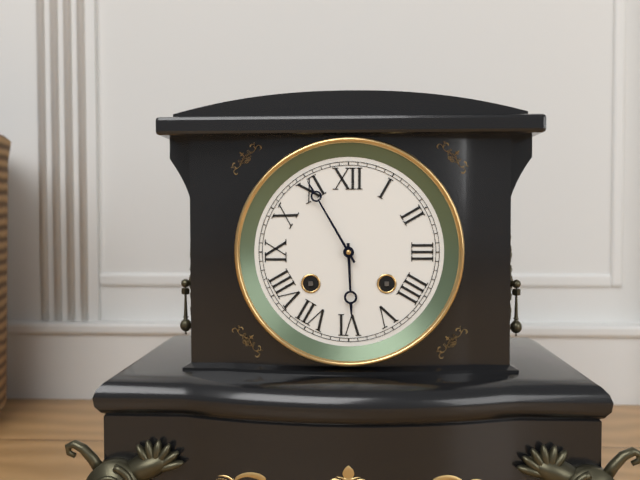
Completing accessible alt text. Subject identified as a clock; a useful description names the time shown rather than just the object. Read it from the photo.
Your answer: 5:55
